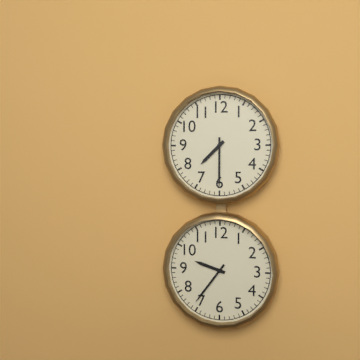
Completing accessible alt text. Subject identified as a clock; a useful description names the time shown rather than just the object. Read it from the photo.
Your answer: 7:30
